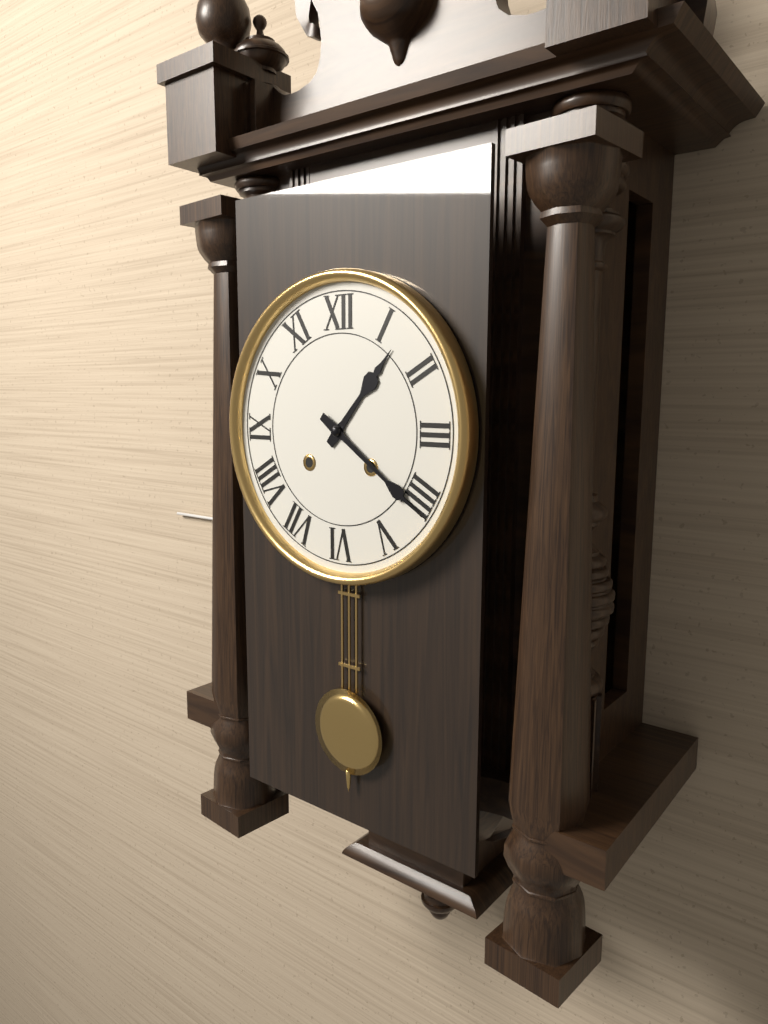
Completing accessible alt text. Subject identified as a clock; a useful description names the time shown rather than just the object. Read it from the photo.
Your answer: 1:21
